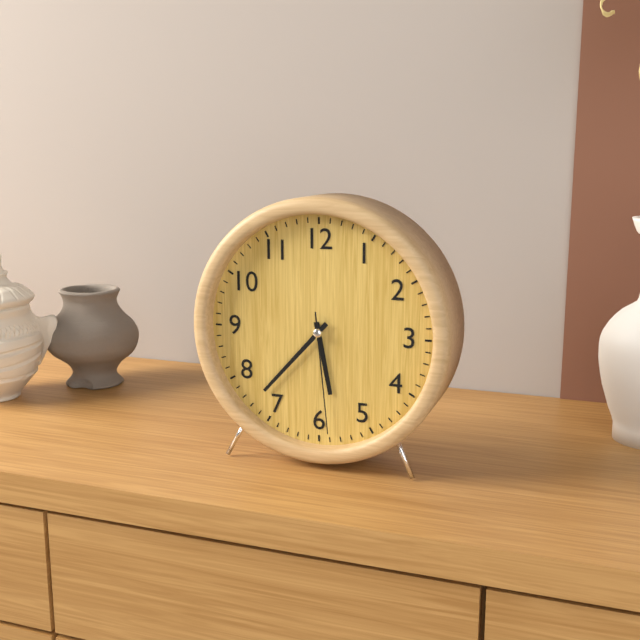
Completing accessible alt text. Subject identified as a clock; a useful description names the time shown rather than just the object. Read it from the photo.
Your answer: 5:37:29
